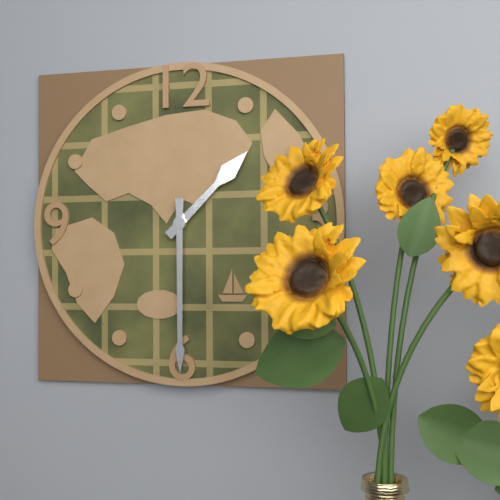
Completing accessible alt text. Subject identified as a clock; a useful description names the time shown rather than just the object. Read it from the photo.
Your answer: 1:30
